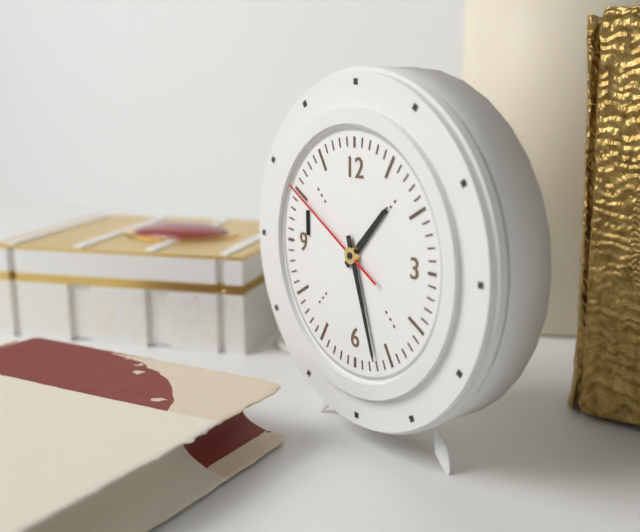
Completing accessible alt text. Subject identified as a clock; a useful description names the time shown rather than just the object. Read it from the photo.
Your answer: 1:27:50
